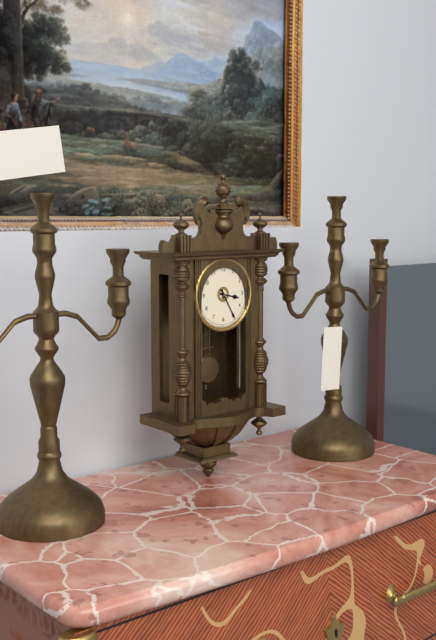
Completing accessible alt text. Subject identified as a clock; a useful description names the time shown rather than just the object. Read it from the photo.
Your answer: 3:25
